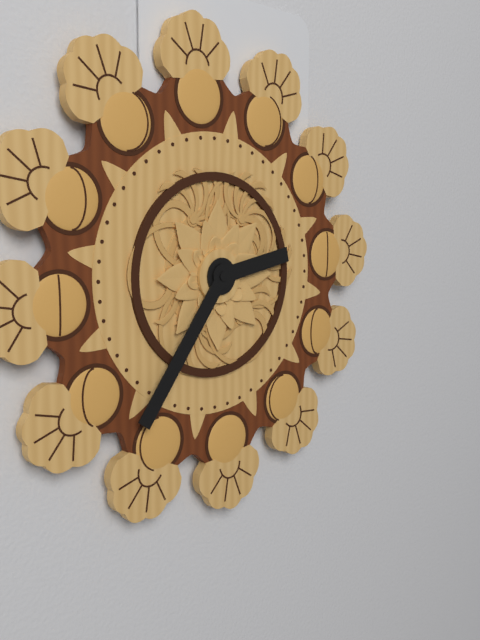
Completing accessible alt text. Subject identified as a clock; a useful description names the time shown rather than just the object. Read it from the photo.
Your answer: 2:36
